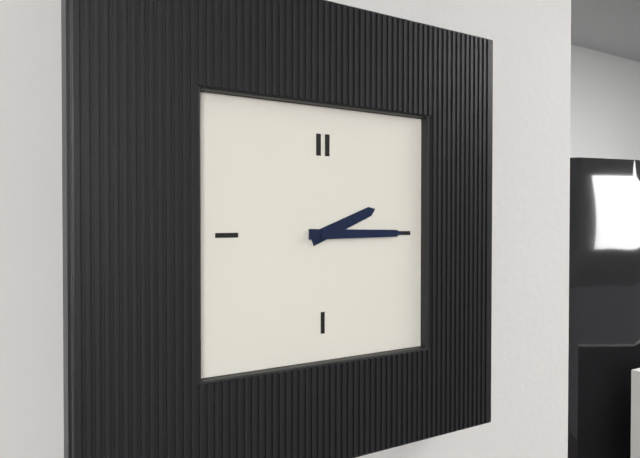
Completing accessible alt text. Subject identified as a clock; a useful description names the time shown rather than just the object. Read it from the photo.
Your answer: 2:15
